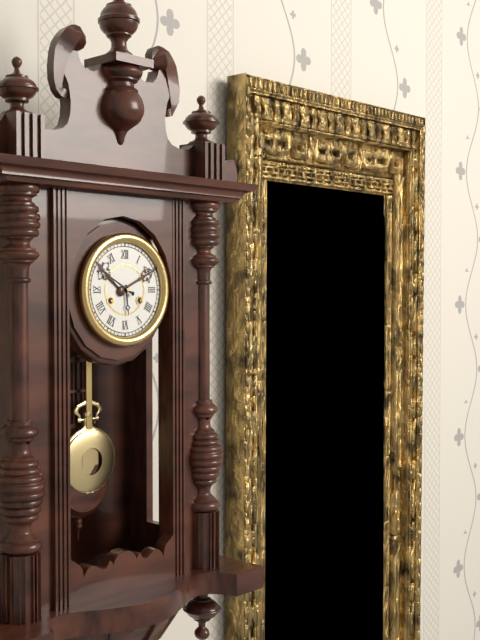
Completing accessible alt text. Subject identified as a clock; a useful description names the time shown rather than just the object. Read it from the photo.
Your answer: 5:50
